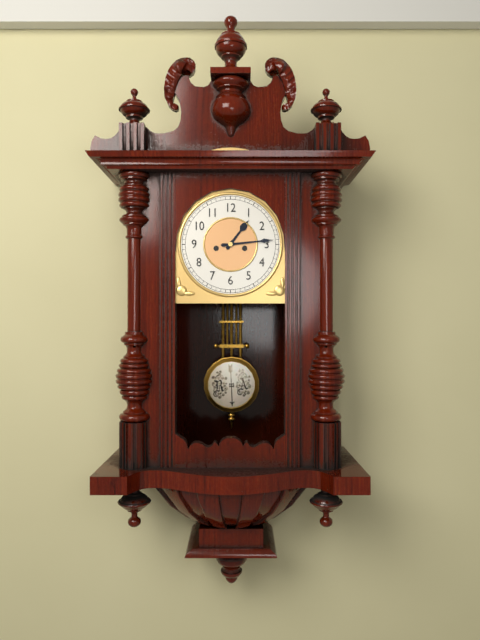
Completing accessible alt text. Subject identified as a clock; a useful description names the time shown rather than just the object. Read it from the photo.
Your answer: 1:14
